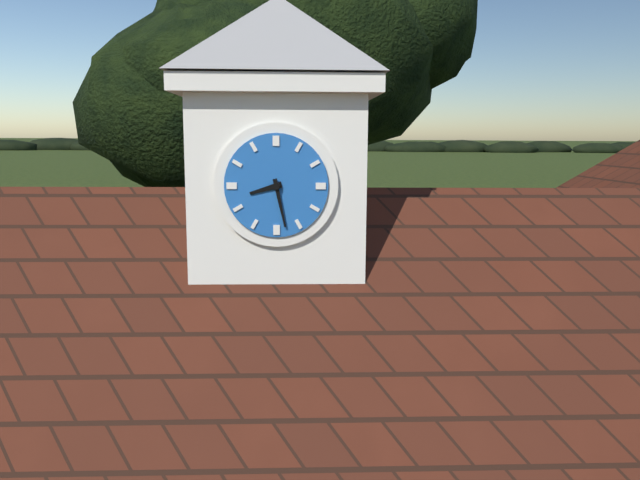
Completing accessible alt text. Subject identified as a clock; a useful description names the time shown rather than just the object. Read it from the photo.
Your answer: 8:28
